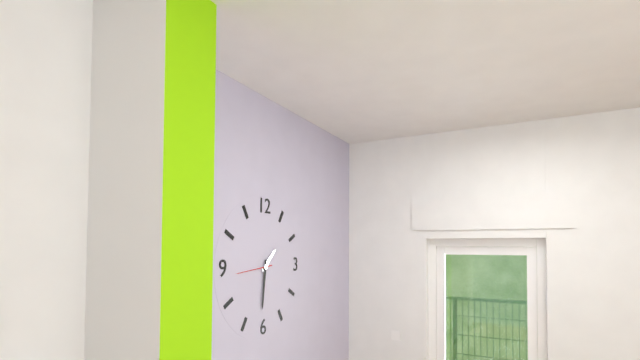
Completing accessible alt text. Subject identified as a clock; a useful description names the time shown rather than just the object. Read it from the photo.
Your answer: 1:31
